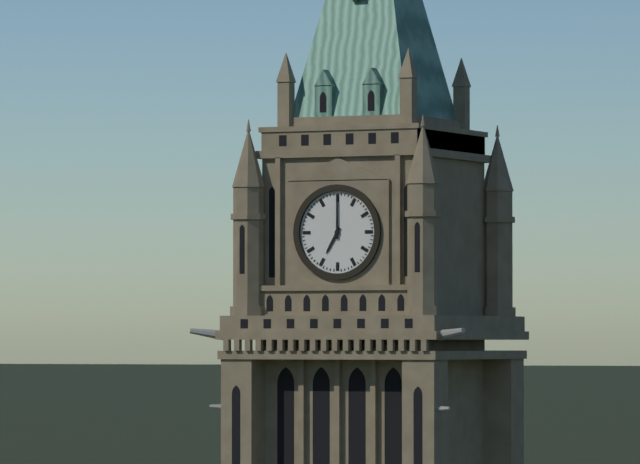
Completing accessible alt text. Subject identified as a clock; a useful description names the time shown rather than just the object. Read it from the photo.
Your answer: 7:00
